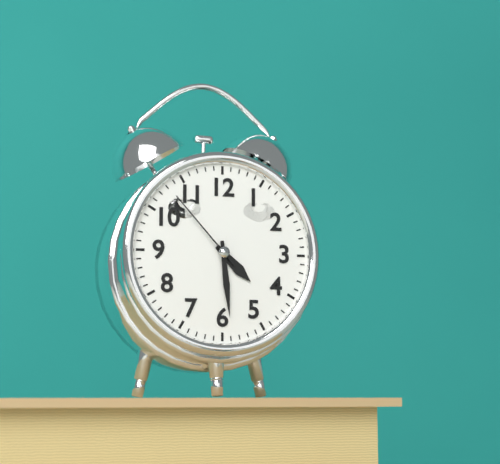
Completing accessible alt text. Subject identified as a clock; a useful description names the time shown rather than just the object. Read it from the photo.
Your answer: 4:29:53
